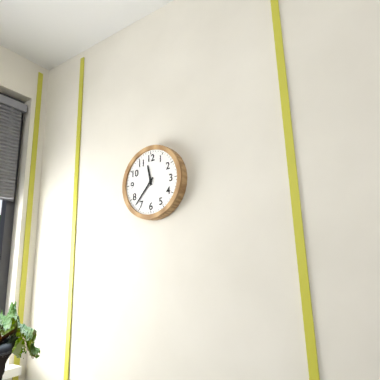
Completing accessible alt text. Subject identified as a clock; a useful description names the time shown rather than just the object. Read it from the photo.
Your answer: 11:37
